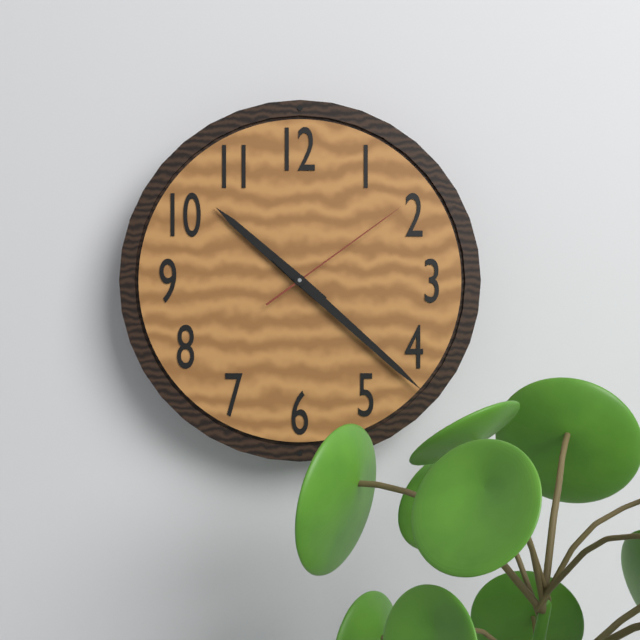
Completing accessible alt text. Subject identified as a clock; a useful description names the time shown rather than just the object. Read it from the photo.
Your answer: 10:22:09
